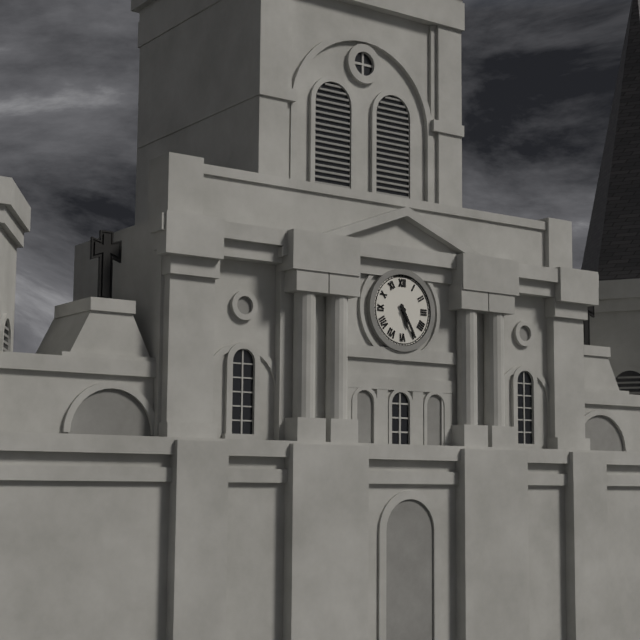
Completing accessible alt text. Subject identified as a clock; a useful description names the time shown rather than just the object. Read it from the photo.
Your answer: 5:25
